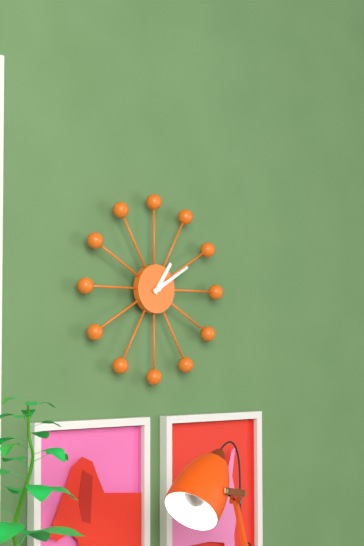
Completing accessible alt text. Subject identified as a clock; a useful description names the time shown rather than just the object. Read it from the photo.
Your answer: 1:10
